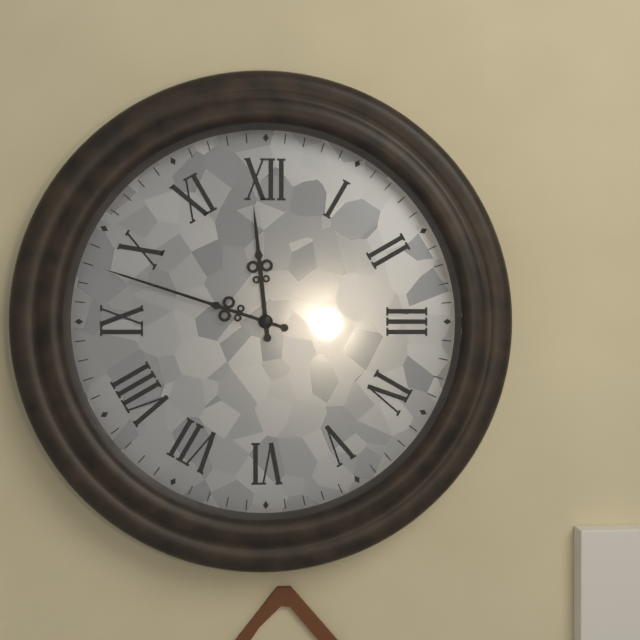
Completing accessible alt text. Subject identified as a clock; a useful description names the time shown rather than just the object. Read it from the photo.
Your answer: 11:48
